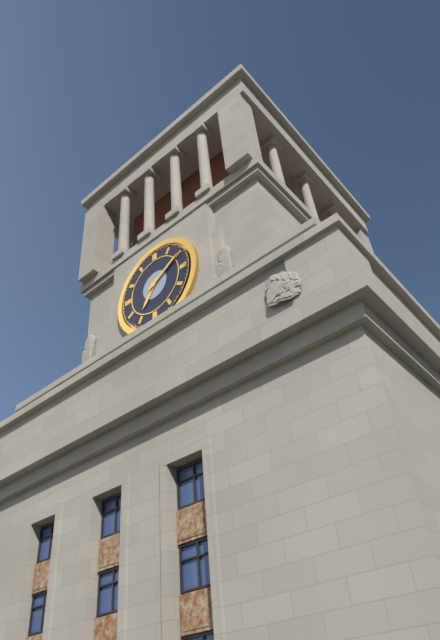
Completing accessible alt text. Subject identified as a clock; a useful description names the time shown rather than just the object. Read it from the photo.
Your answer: 7:10
